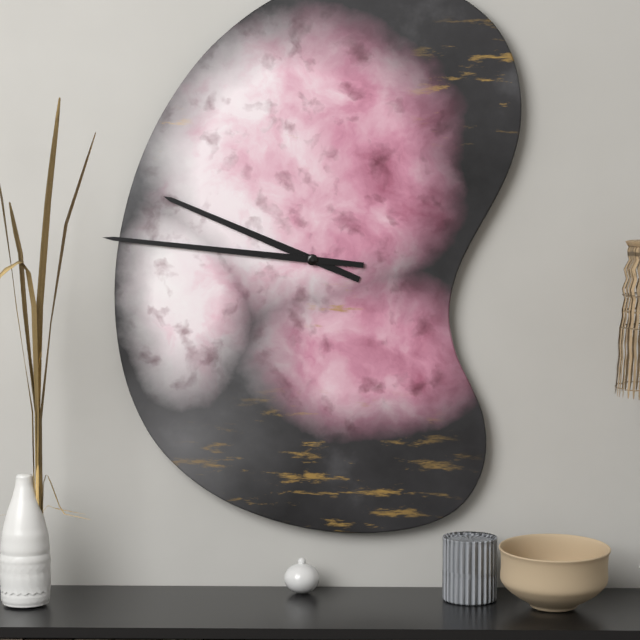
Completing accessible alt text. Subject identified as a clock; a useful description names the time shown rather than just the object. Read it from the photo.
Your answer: 9:46
